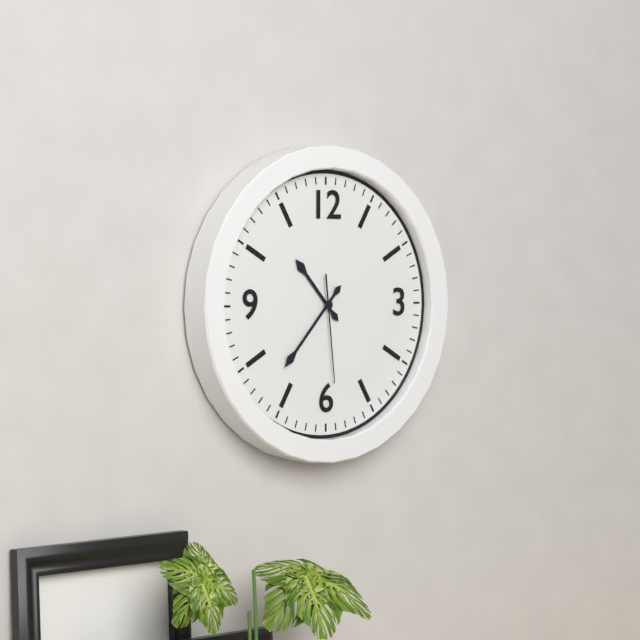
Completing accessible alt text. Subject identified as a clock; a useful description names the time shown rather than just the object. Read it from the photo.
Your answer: 10:37:29
